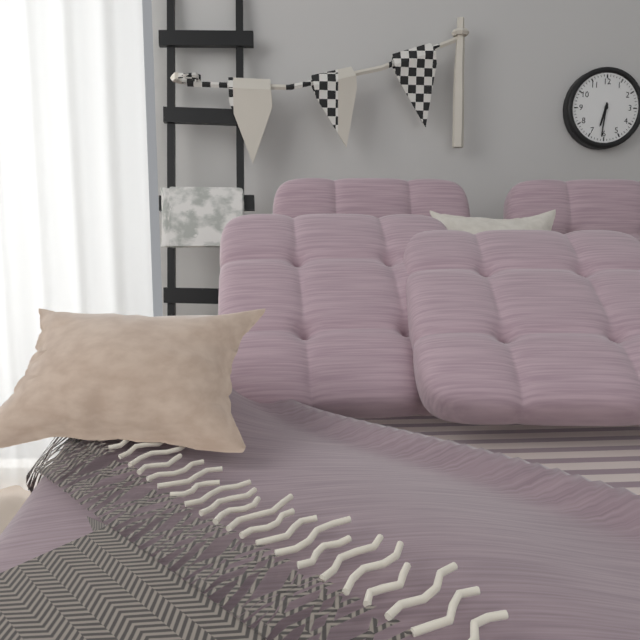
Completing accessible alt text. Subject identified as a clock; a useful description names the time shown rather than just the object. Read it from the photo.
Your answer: 6:31
